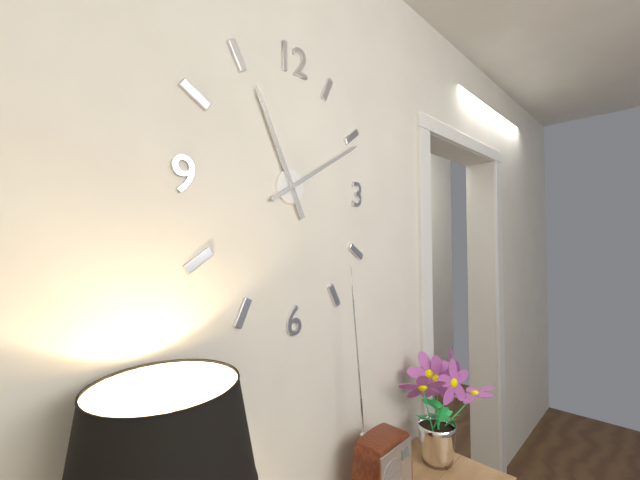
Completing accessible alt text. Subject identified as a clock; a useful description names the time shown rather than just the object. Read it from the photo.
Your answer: 11:10
